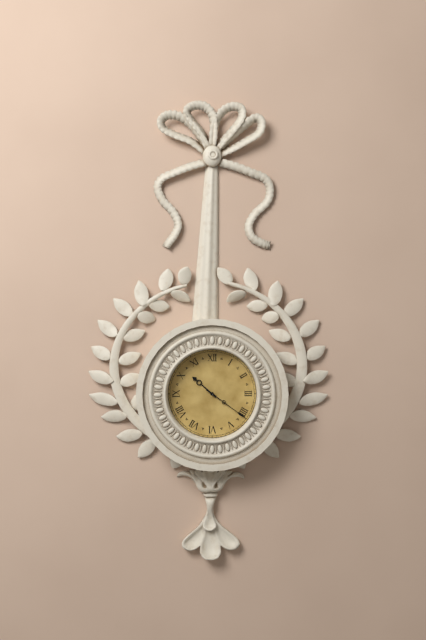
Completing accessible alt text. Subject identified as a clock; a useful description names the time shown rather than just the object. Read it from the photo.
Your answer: 10:21
